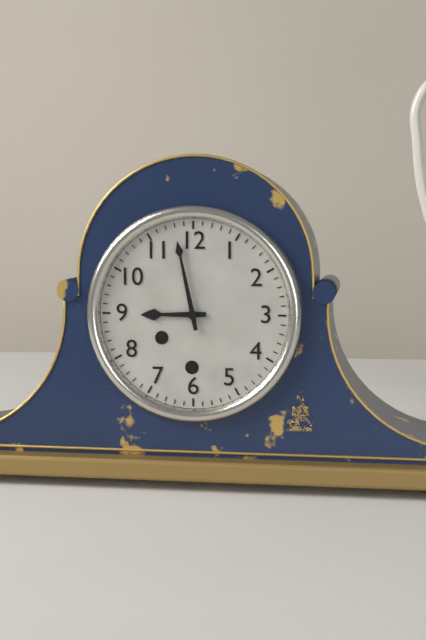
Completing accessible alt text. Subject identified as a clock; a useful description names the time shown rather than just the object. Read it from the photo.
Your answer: 8:58
